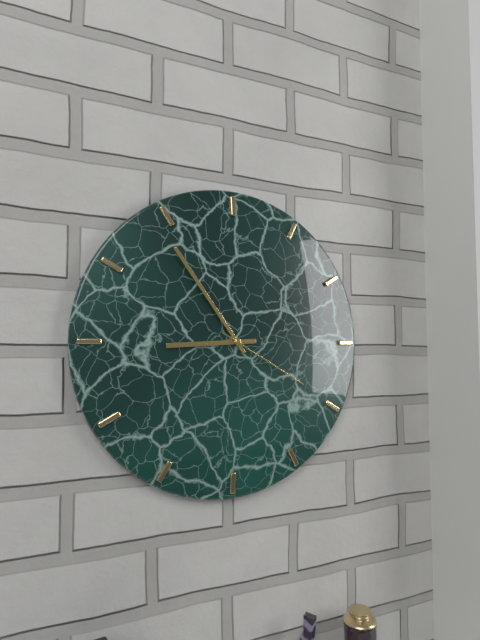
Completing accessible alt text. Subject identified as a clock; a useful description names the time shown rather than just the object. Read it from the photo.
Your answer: 8:54:20
